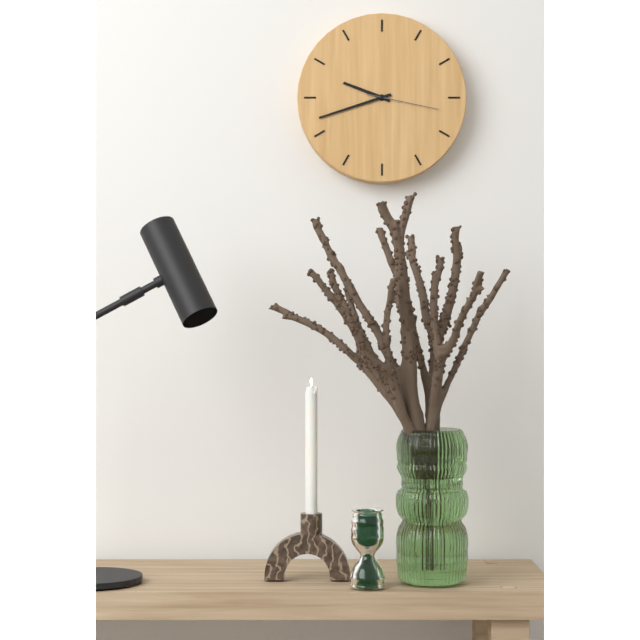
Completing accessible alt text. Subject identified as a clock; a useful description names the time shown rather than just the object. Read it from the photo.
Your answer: 9:42:17
